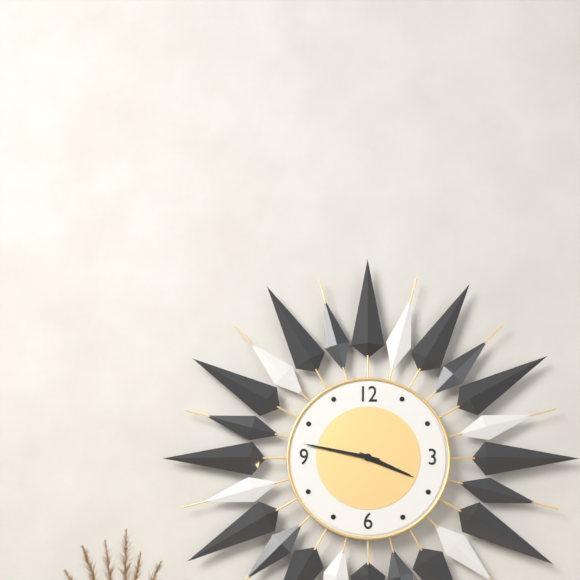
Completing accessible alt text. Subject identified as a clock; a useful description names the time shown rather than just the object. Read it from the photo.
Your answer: 3:47
